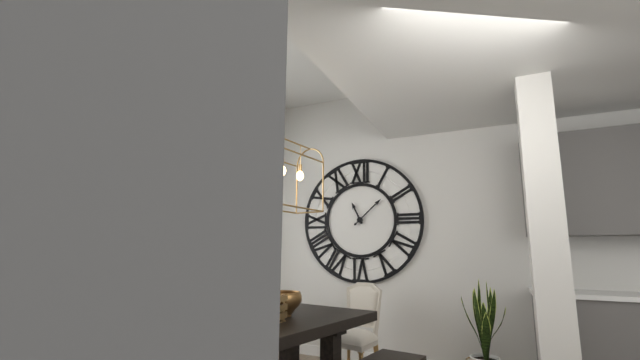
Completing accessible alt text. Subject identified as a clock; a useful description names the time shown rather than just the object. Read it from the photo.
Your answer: 11:08
